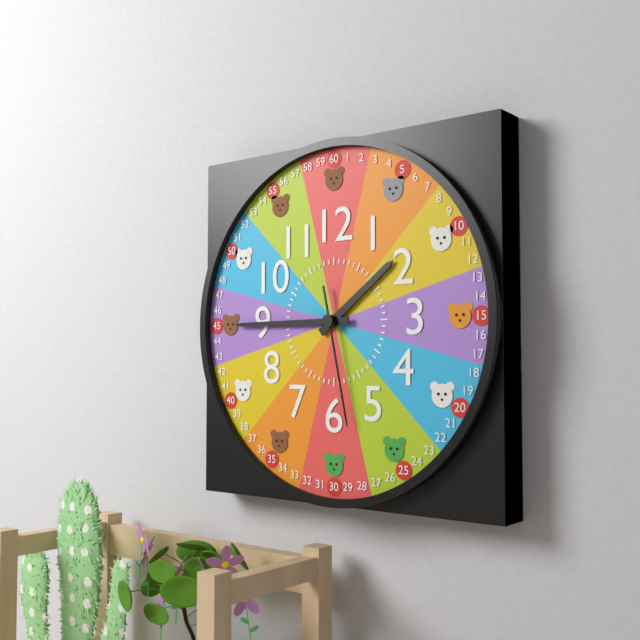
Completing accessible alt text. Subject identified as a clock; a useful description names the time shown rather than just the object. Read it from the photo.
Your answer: 1:45:28
